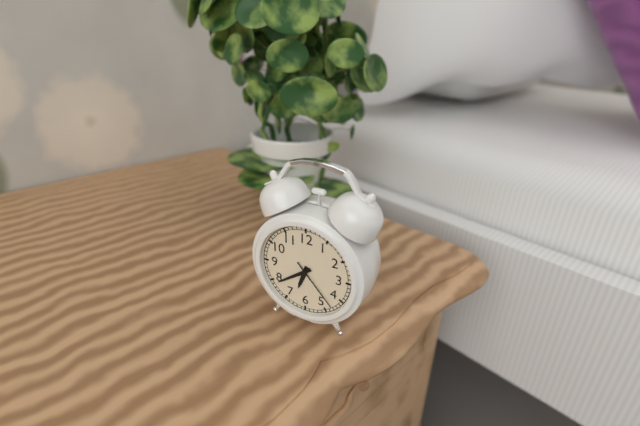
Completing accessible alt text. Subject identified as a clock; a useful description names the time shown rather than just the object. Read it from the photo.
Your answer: 6:39:23
